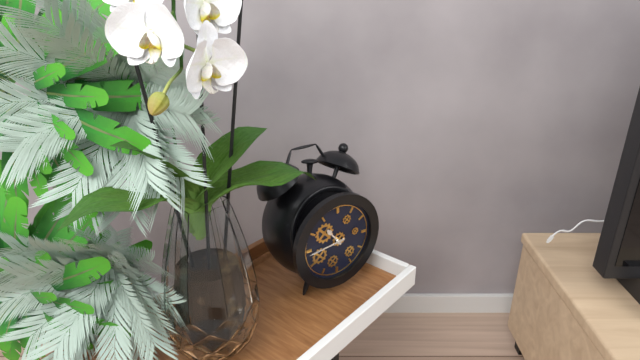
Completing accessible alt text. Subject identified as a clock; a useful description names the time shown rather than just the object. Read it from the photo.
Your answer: 10:44
